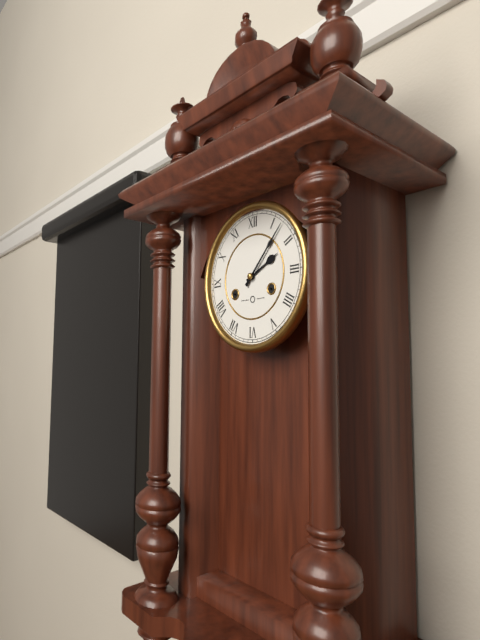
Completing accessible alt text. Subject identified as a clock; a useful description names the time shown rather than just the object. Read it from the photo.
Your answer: 2:07
